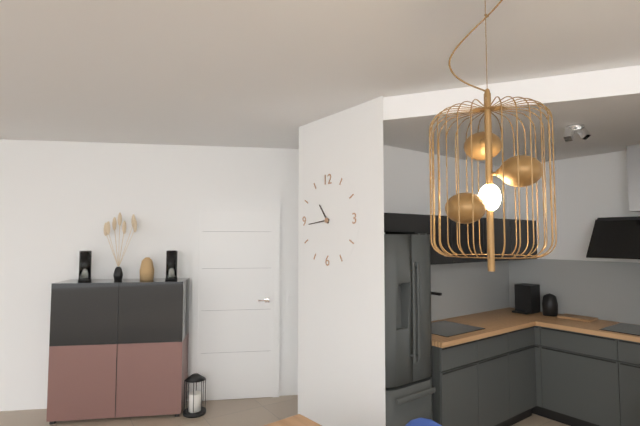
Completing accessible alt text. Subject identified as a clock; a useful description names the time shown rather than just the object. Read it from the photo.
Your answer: 10:44
